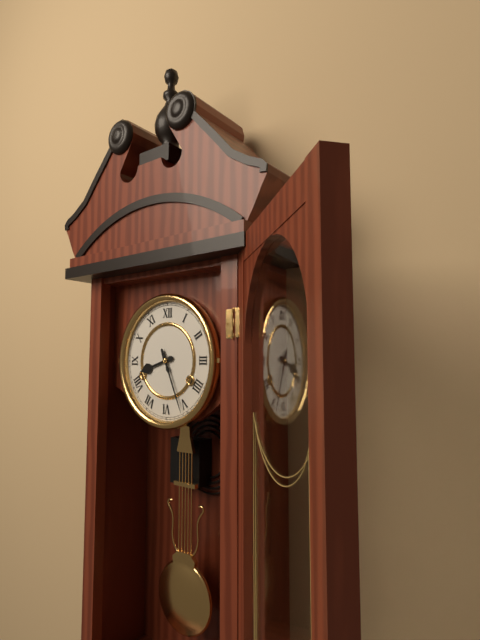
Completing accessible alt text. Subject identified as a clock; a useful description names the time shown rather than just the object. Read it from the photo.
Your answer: 8:26
